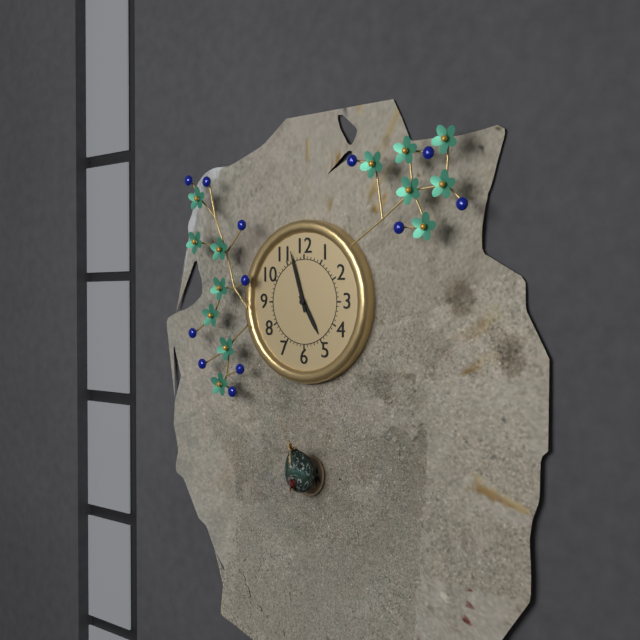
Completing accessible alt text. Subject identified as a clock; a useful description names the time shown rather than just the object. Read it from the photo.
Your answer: 4:57
